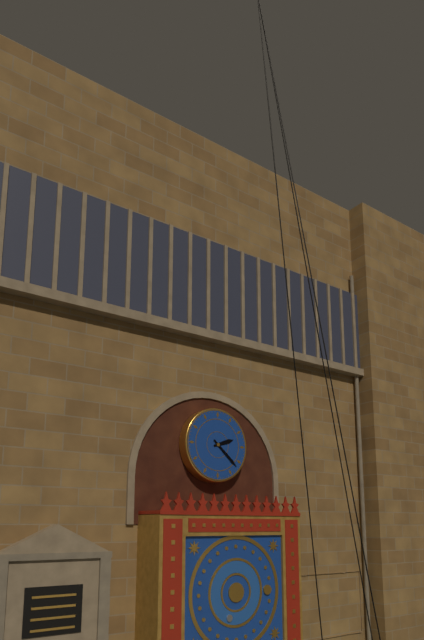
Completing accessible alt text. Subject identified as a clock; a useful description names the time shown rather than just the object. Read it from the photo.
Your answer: 2:22
